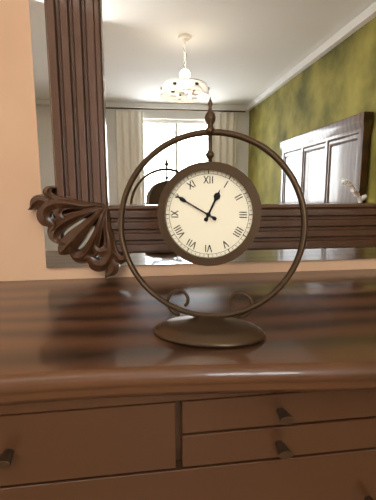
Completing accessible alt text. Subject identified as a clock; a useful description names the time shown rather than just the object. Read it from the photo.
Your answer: 12:50
